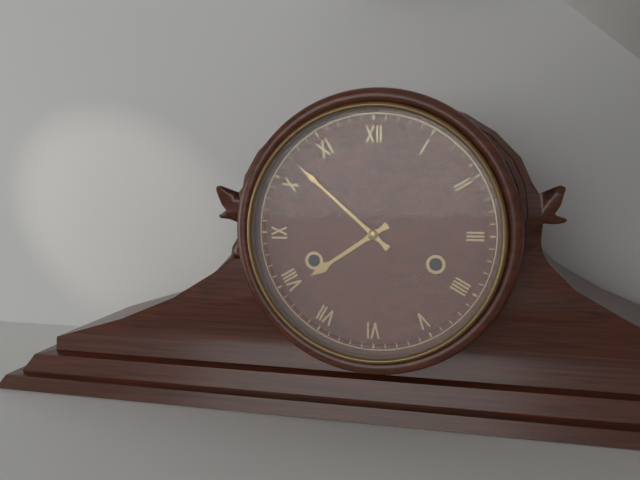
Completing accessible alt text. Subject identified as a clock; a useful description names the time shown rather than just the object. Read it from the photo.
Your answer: 7:52
